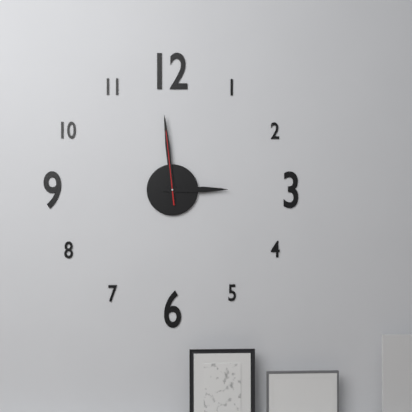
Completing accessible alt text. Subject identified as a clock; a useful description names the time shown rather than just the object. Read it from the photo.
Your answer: 2:59:59
